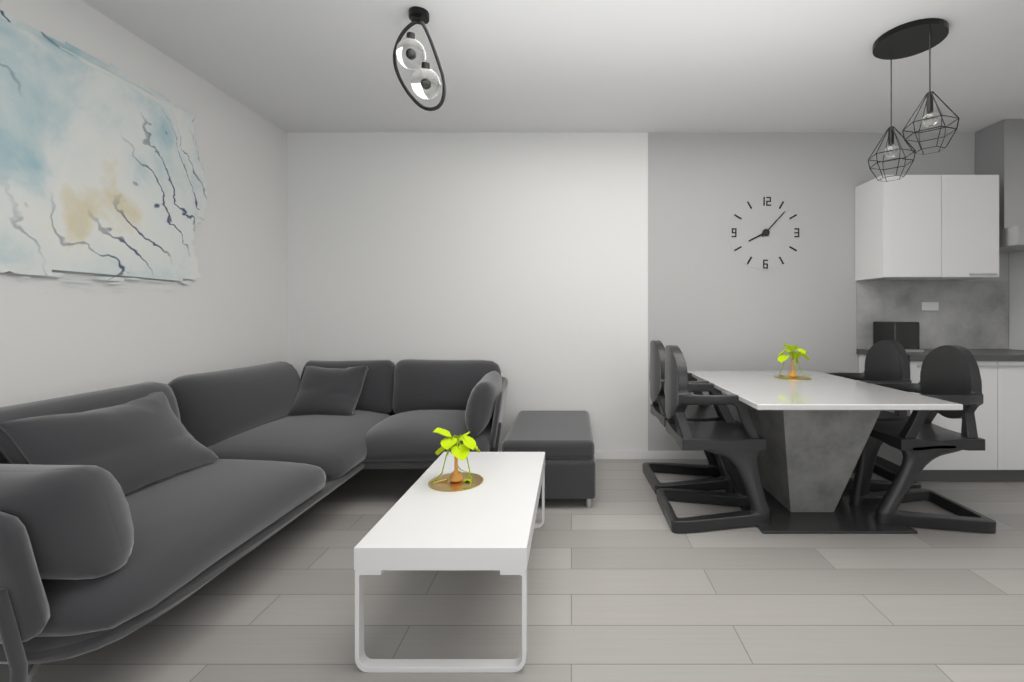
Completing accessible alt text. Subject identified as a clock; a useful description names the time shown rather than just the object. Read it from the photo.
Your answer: 8:07
